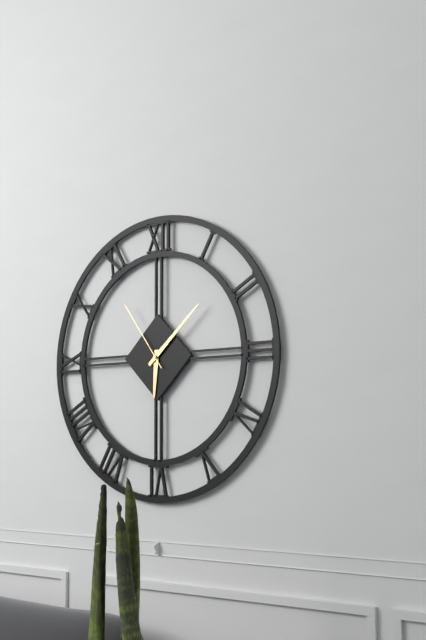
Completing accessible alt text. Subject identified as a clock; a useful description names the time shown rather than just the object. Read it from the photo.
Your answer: 6:08:54
